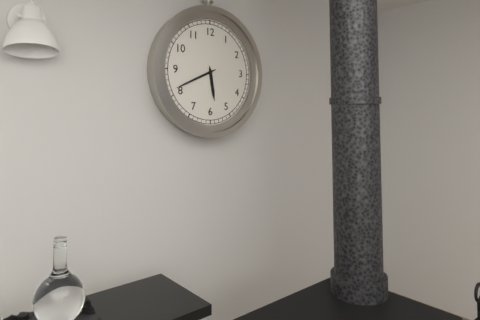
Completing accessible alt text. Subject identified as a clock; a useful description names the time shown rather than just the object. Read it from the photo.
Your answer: 5:41
